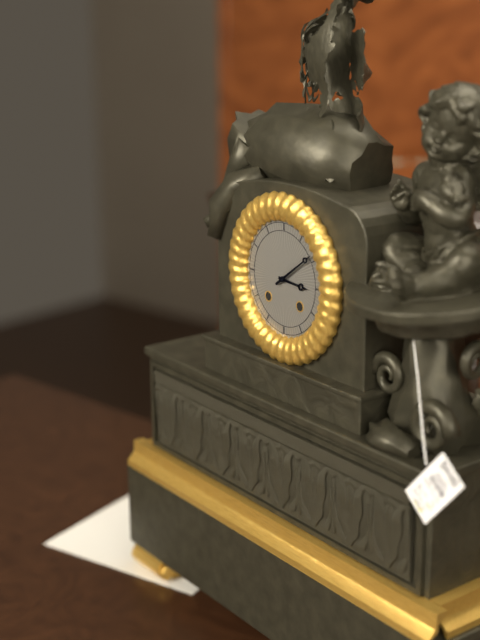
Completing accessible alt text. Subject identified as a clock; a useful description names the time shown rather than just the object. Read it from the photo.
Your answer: 3:09
